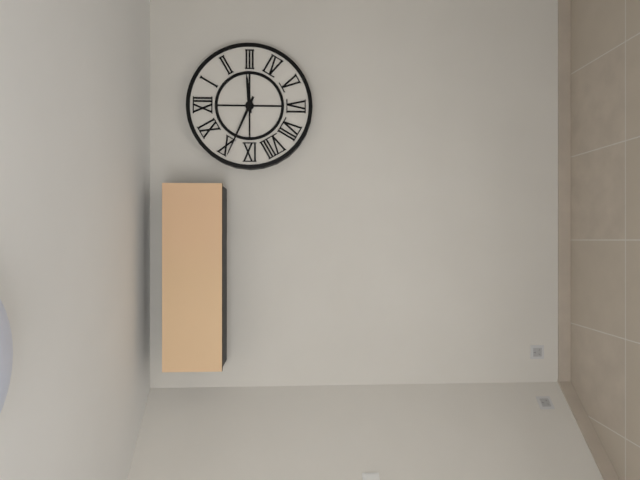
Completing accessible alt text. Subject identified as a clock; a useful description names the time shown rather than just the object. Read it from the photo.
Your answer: 2:49
